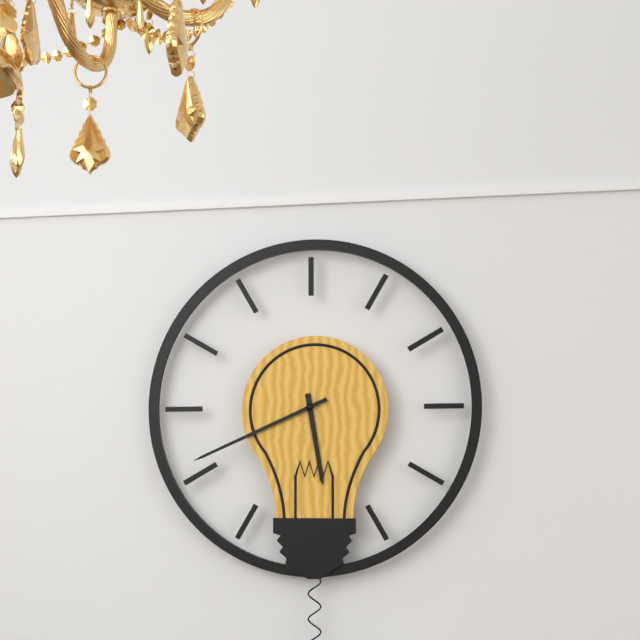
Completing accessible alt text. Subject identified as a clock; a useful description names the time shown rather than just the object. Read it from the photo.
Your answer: 5:41
